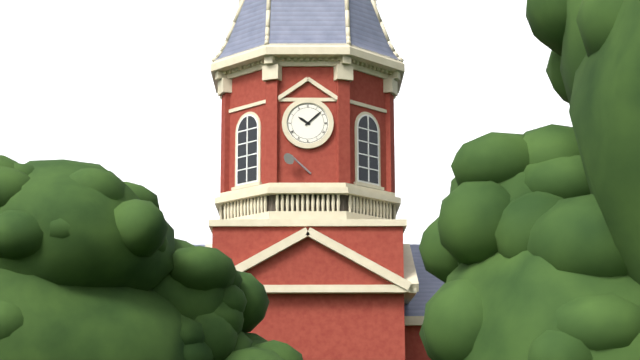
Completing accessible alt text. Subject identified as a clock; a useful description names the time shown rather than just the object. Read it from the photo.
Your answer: 10:08
